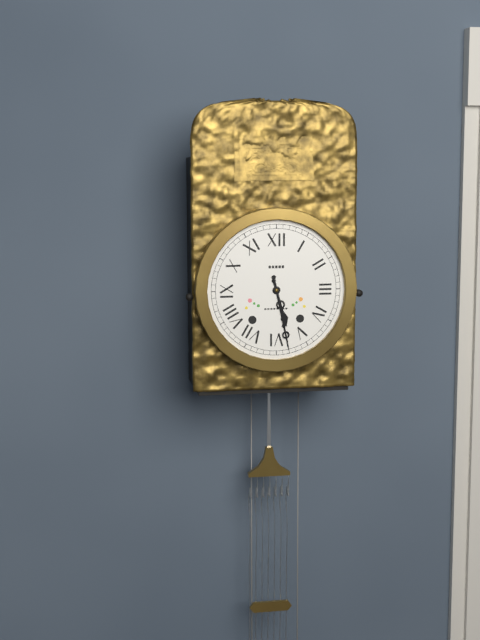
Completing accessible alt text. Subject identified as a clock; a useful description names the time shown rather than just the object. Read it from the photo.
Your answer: 5:28
